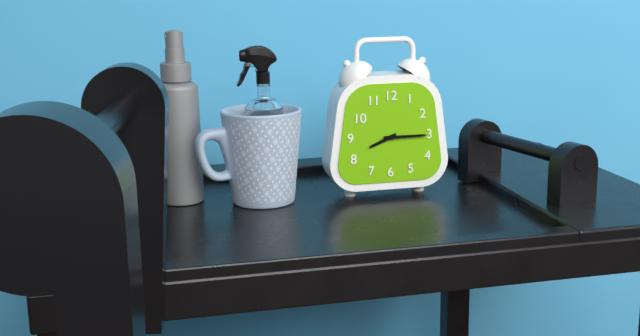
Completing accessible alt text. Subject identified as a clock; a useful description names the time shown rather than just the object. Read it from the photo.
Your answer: 8:15
